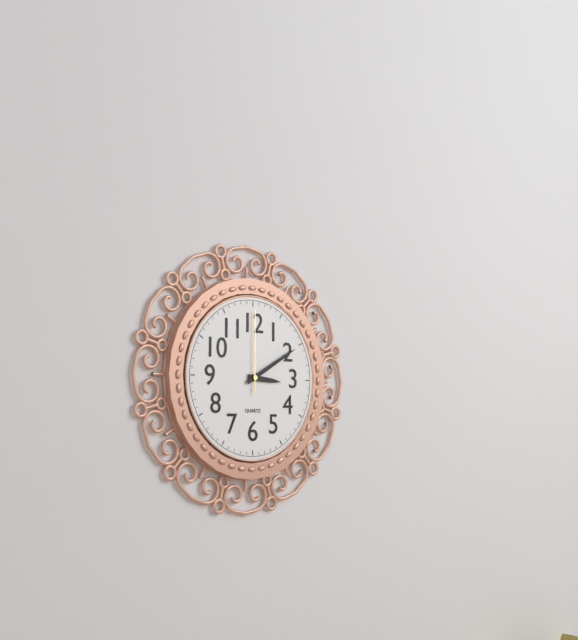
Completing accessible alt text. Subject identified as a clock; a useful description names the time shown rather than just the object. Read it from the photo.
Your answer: 3:10:00
